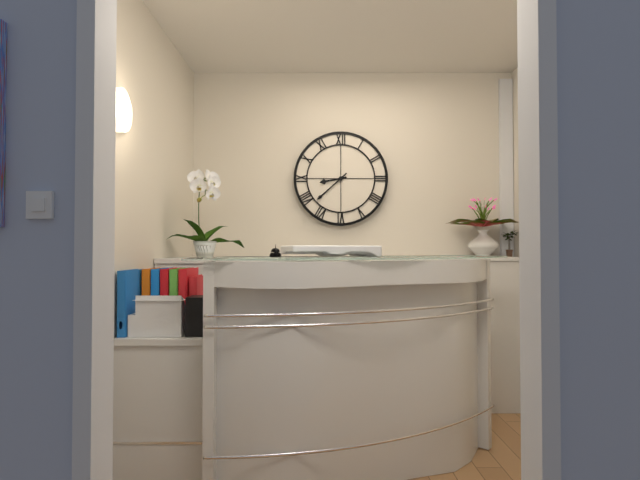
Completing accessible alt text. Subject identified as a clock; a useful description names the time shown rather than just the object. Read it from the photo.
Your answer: 8:38
